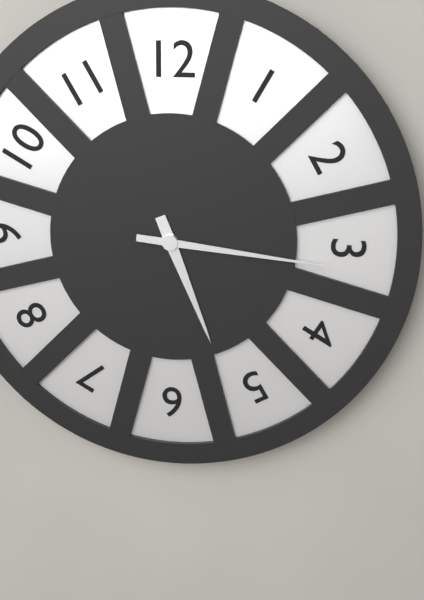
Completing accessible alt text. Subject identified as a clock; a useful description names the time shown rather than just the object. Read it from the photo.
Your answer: 5:16
